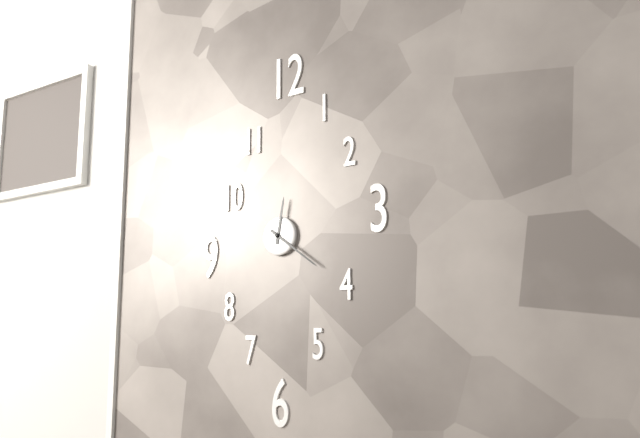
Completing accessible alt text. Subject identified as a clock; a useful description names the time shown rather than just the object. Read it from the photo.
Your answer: 12:21
